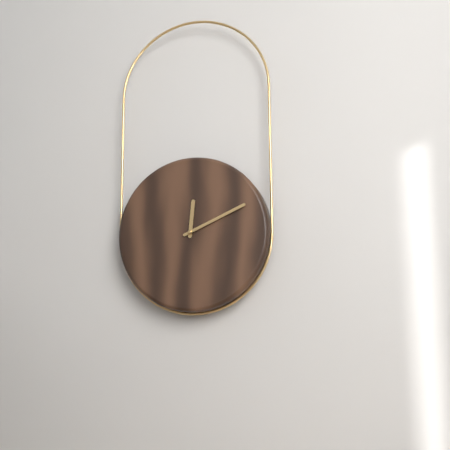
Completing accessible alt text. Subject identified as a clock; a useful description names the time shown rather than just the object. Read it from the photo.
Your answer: 12:11
